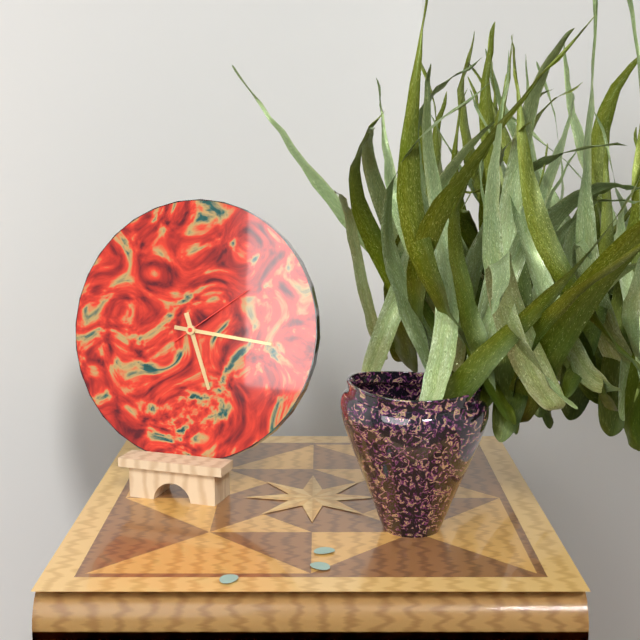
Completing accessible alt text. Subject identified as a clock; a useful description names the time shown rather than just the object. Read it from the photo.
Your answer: 5:16:09
